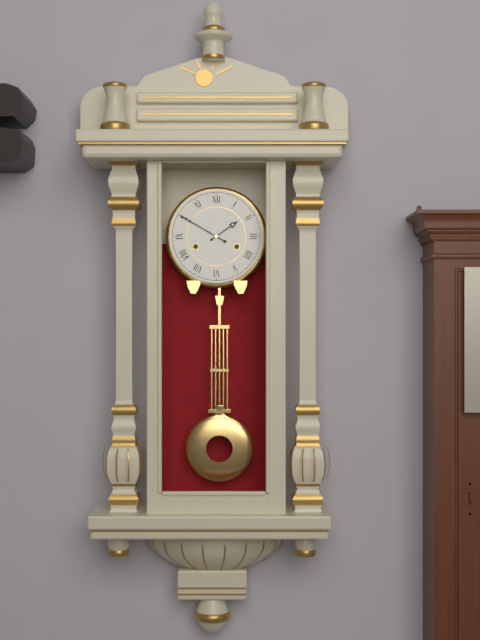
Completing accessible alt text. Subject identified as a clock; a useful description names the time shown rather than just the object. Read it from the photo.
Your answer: 1:50
